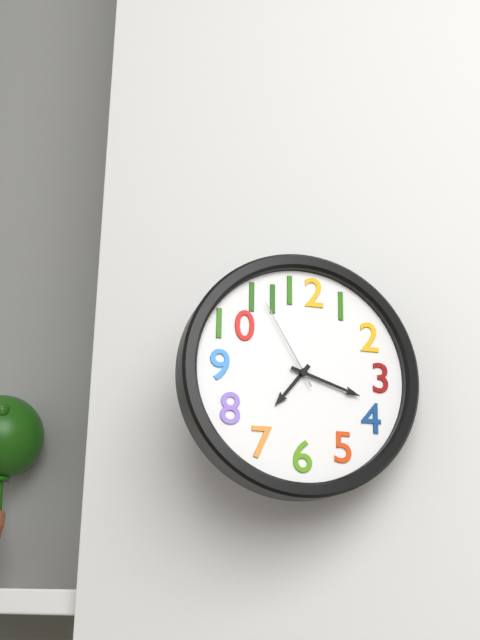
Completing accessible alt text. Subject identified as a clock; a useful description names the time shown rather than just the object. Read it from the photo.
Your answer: 7:18:55
